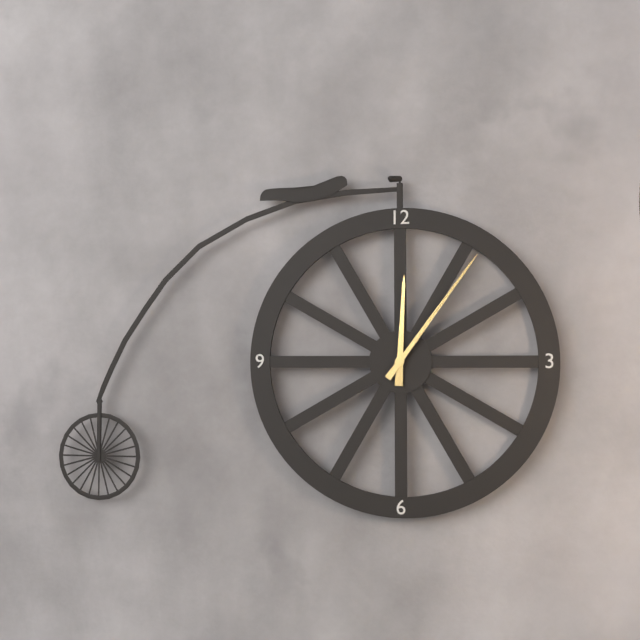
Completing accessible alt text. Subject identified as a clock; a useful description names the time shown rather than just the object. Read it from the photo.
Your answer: 12:06
